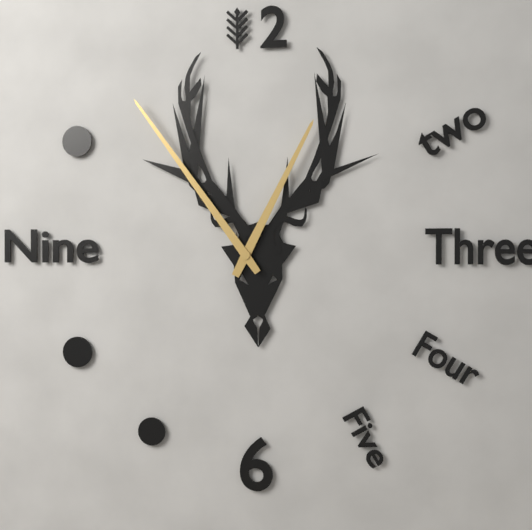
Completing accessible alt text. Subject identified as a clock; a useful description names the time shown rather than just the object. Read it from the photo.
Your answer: 12:54
